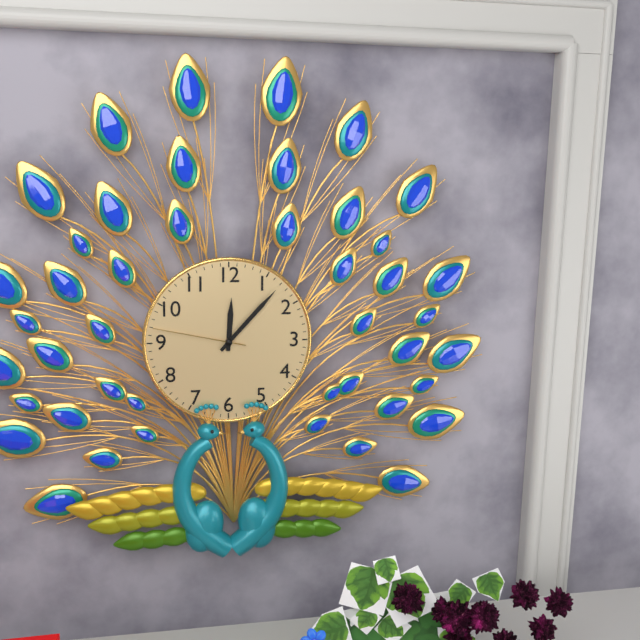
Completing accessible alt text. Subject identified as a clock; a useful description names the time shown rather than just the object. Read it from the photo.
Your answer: 12:07:47
